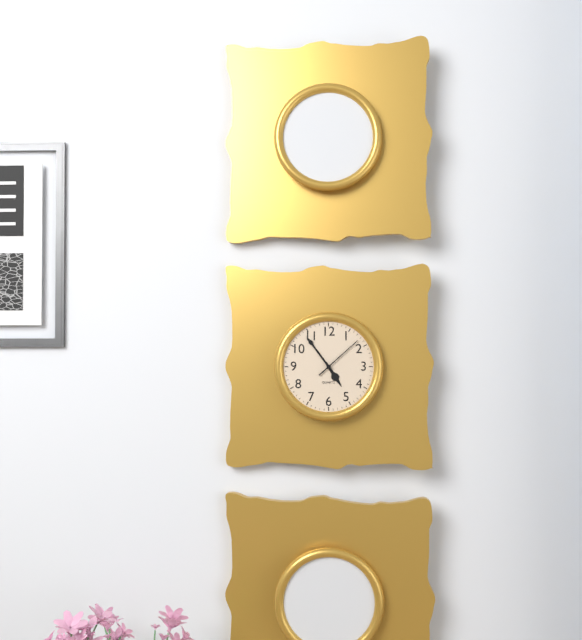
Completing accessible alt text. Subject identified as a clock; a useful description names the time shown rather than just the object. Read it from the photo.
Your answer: 4:54:08
